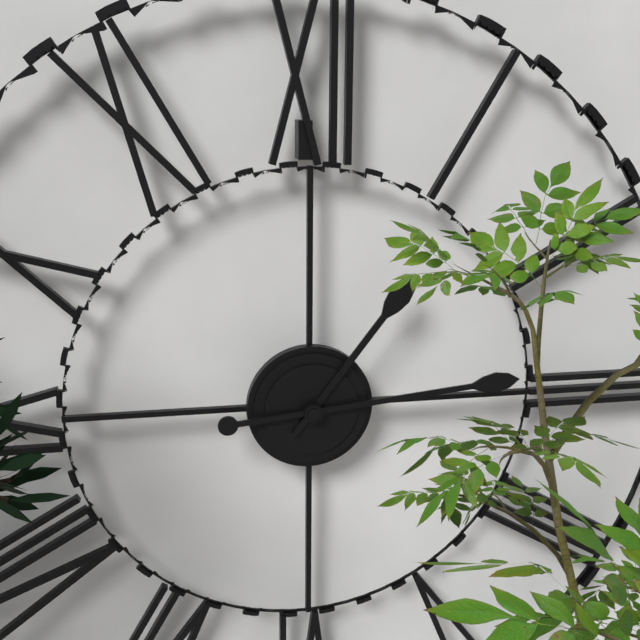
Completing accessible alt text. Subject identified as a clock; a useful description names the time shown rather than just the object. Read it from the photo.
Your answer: 1:14
